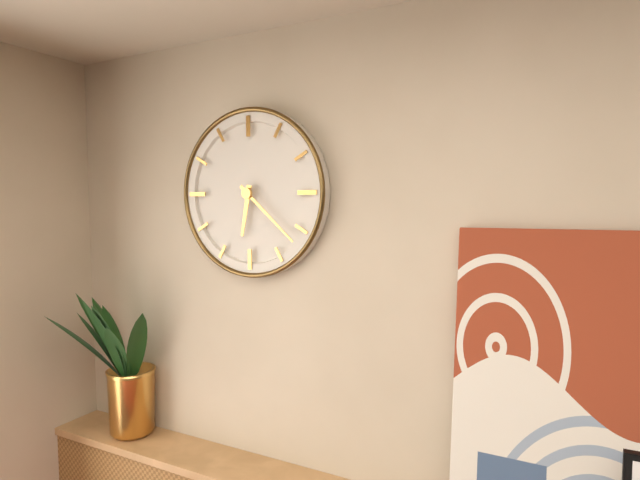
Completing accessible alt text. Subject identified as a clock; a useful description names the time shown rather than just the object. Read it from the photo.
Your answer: 6:22
